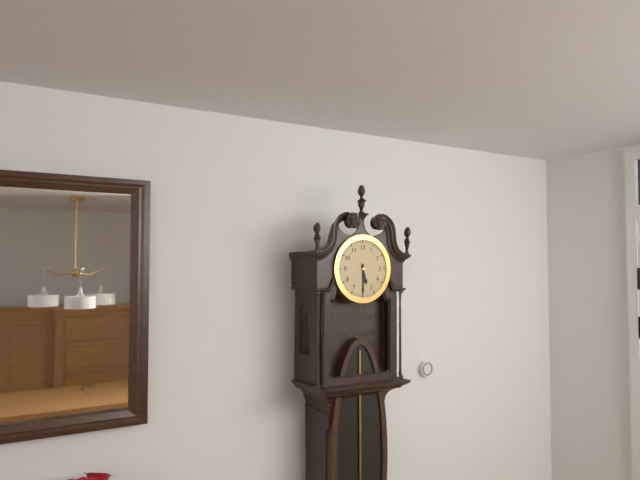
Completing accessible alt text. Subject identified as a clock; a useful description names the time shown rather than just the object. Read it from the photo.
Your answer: 5:30
